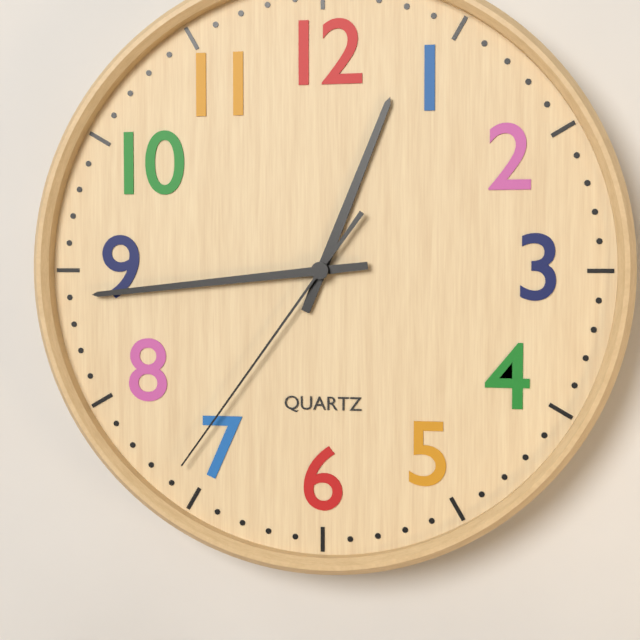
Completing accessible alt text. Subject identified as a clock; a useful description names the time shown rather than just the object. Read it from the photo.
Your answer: 12:44:36
